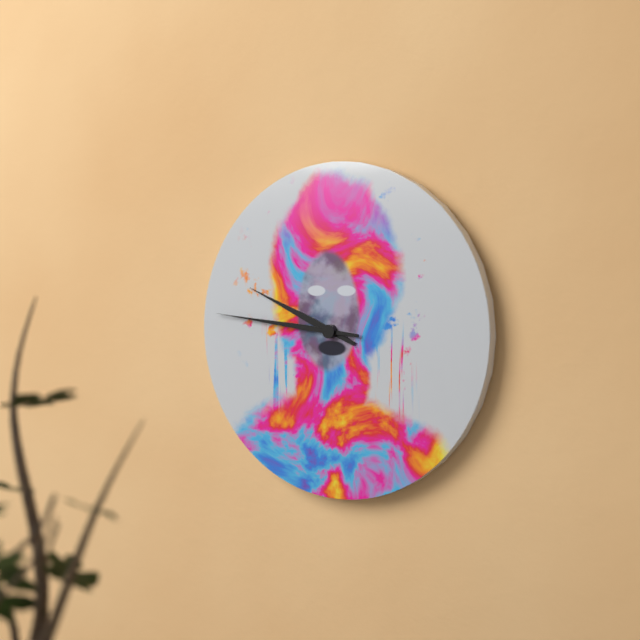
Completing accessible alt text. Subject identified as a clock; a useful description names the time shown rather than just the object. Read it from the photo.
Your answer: 9:46
